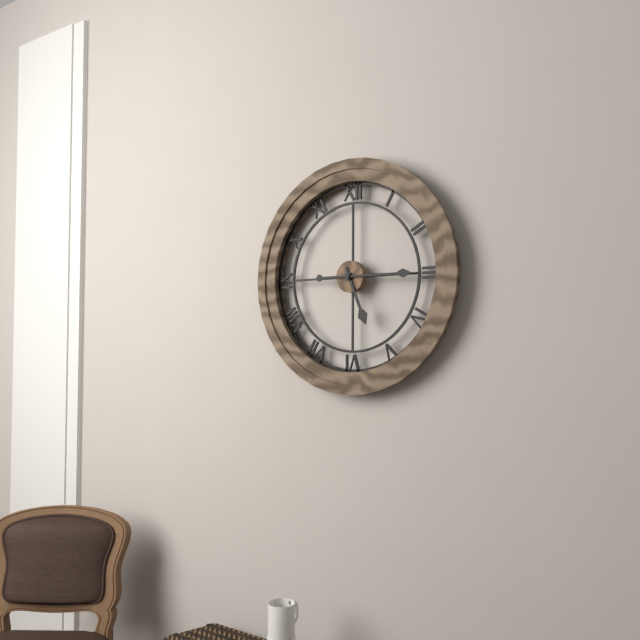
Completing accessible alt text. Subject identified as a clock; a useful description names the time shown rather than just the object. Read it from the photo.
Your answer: 5:15
